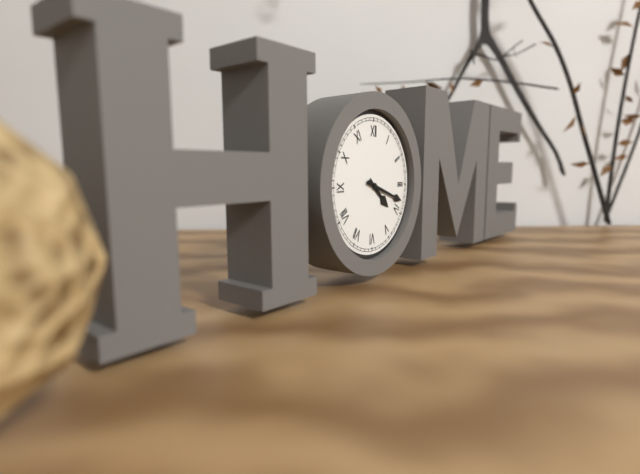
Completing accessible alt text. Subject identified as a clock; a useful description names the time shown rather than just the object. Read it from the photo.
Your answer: 4:18
